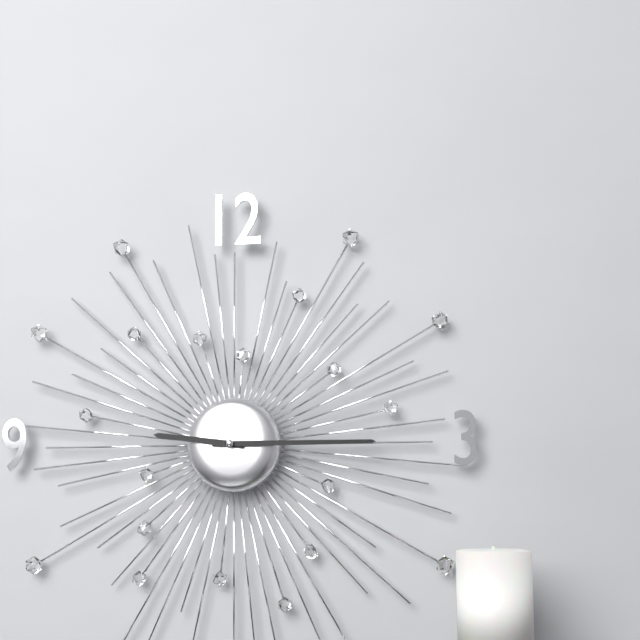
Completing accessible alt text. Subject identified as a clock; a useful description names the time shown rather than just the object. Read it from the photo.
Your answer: 9:15
